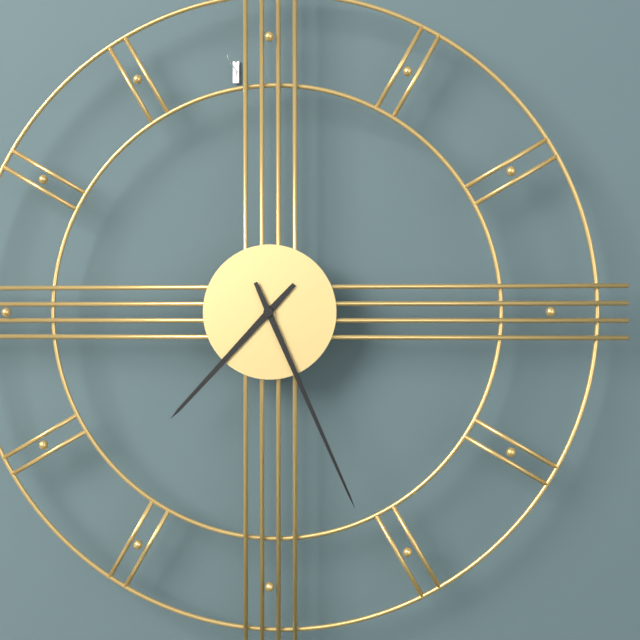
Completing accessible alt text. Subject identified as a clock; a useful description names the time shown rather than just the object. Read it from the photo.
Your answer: 7:26
